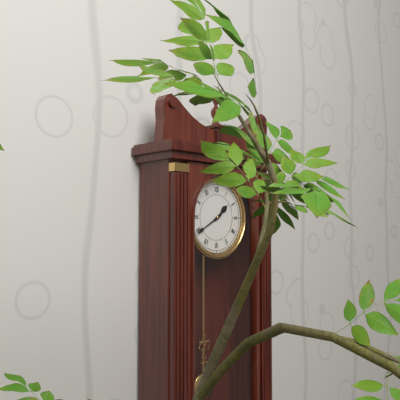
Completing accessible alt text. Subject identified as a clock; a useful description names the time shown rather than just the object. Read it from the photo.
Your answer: 1:40
